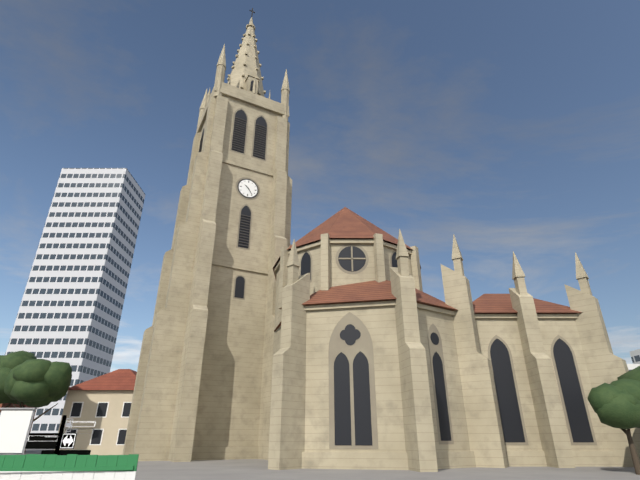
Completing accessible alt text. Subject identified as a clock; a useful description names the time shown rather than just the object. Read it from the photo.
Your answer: 10:24
